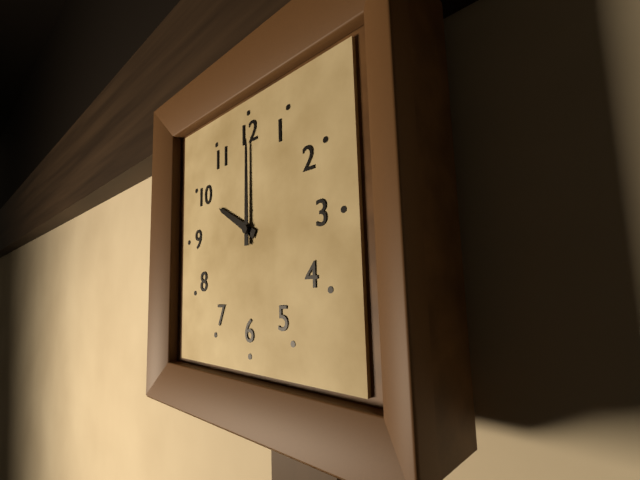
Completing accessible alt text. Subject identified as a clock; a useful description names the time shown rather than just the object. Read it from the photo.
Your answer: 10:00
